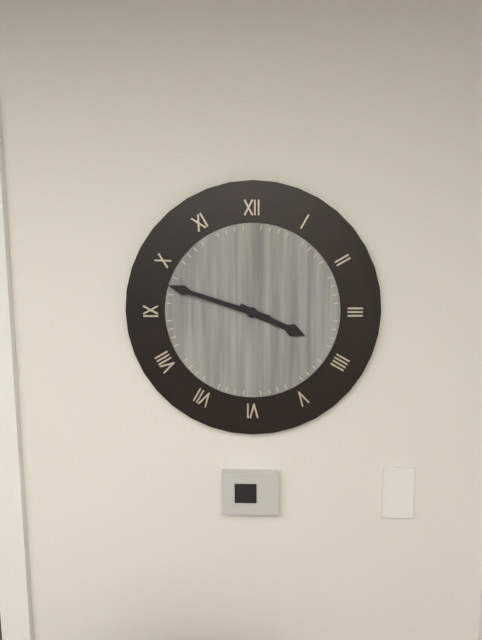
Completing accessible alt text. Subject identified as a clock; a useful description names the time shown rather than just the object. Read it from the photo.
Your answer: 3:48
